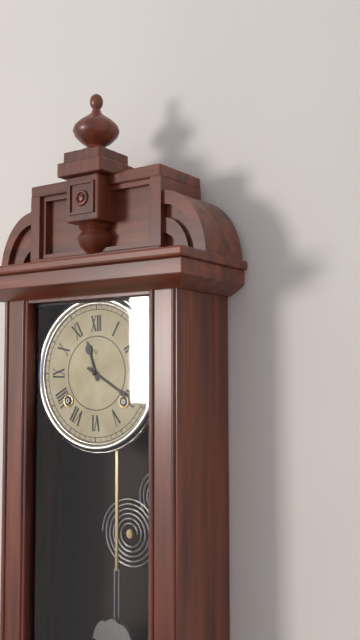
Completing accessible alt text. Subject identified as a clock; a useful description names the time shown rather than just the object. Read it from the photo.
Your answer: 11:20
